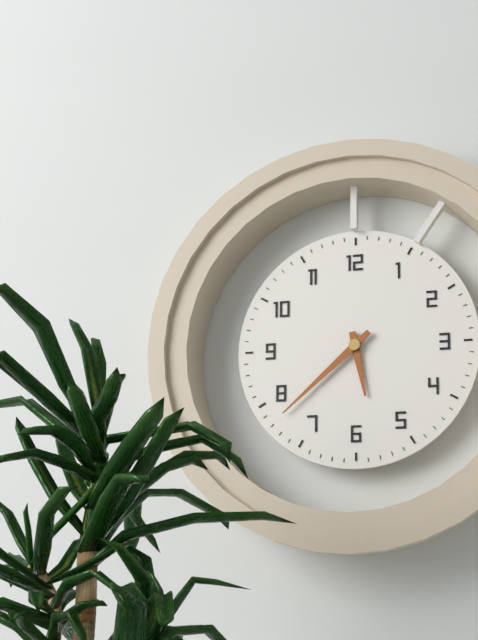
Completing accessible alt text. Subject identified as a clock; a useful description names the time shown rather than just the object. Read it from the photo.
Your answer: 5:38
